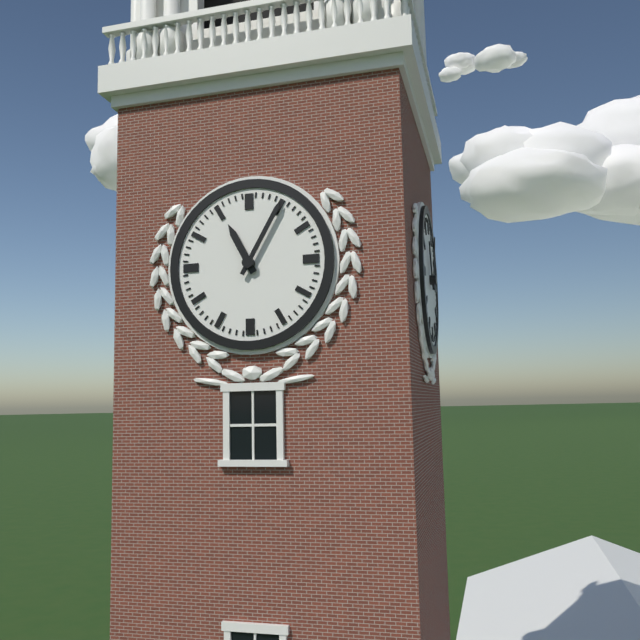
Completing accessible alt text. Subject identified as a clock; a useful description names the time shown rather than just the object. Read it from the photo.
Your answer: 11:05
